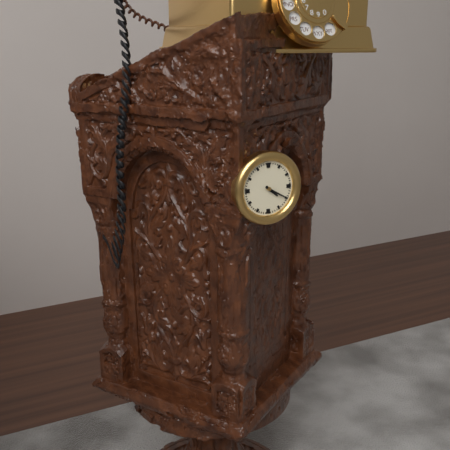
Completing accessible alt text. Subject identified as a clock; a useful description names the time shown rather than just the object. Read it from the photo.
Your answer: 4:20
